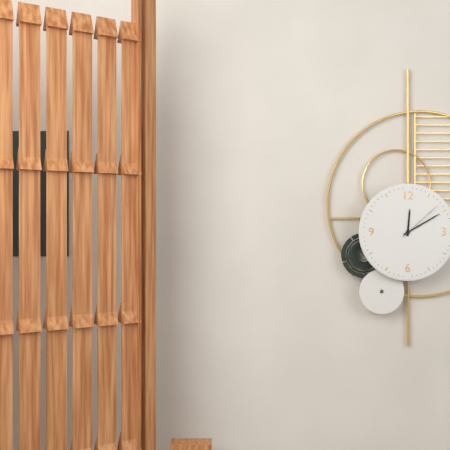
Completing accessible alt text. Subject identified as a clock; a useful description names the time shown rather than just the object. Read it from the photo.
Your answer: 12:10:08
